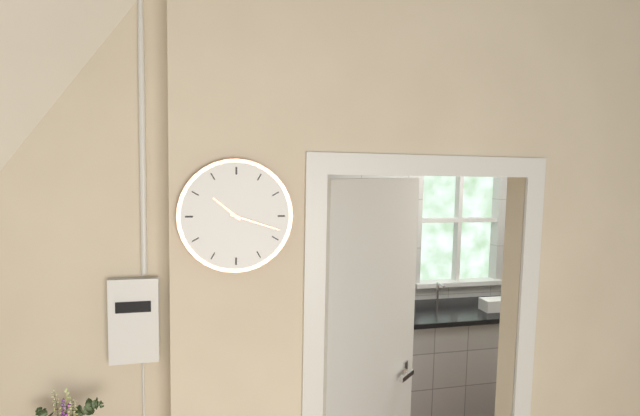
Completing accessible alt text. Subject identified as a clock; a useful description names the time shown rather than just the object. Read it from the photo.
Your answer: 10:18
